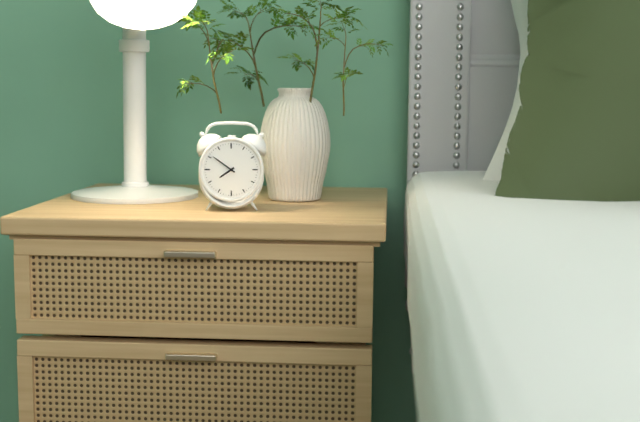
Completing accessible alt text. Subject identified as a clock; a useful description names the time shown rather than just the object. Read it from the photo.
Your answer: 7:51
